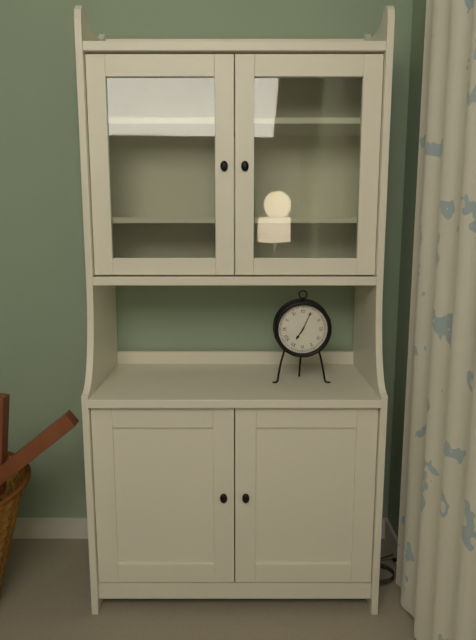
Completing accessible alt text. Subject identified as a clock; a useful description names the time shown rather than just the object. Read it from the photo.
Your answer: 7:04
